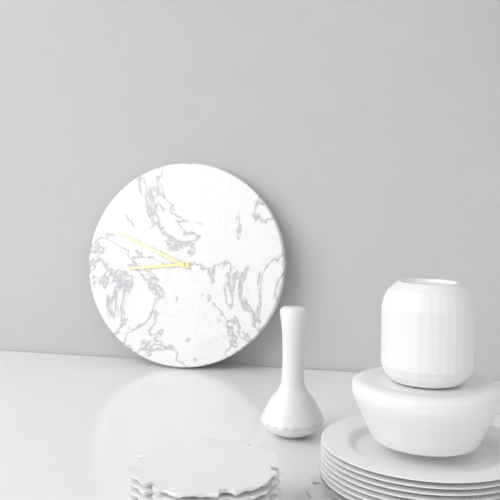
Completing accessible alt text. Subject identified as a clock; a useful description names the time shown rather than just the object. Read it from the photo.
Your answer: 8:49
